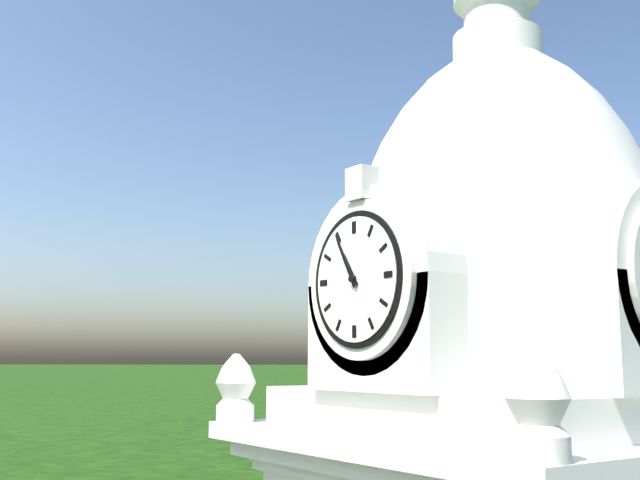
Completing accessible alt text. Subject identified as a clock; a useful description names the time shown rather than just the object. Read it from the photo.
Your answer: 10:55
